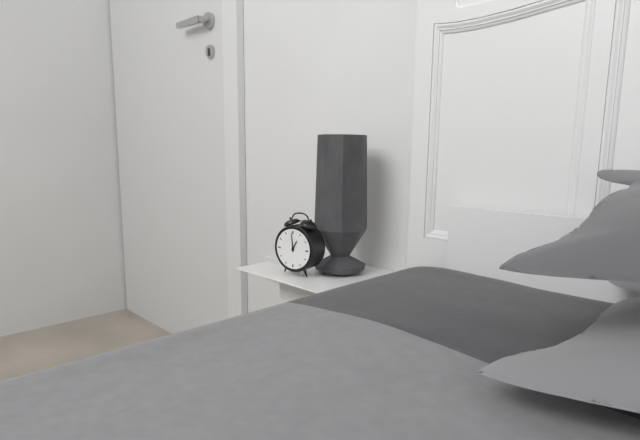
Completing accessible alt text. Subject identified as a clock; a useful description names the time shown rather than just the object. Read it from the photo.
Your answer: 12:59
